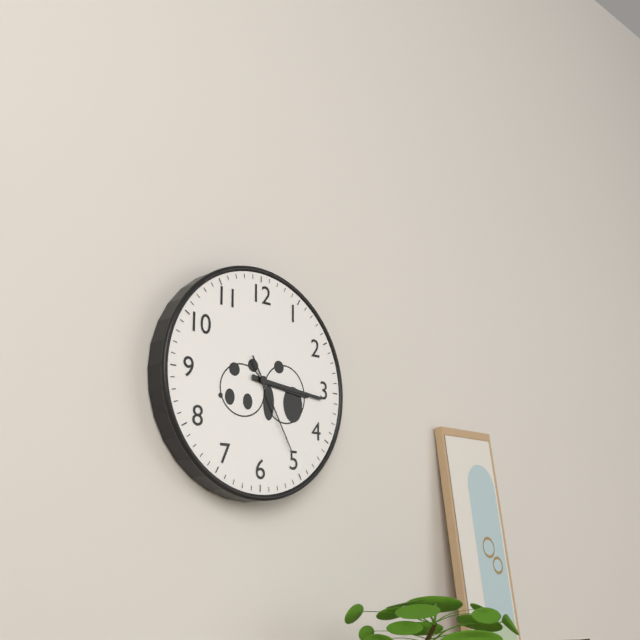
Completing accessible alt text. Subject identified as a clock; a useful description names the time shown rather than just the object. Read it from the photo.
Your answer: 3:16:25
